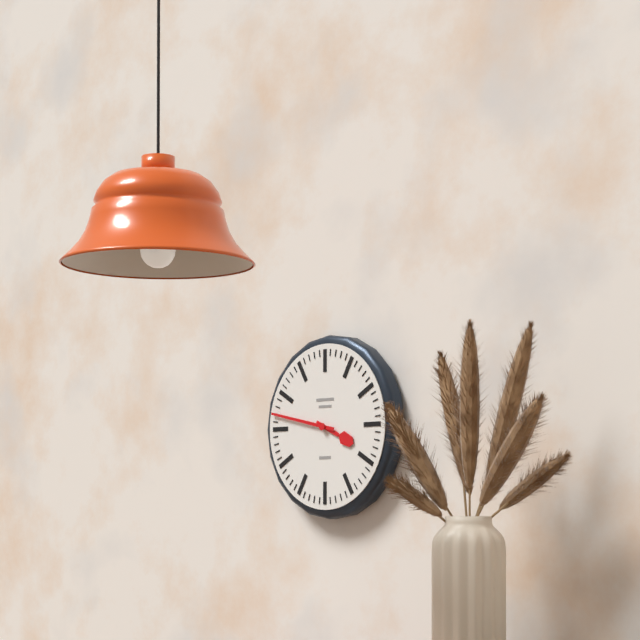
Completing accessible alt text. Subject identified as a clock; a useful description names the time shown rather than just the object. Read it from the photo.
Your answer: 3:47
